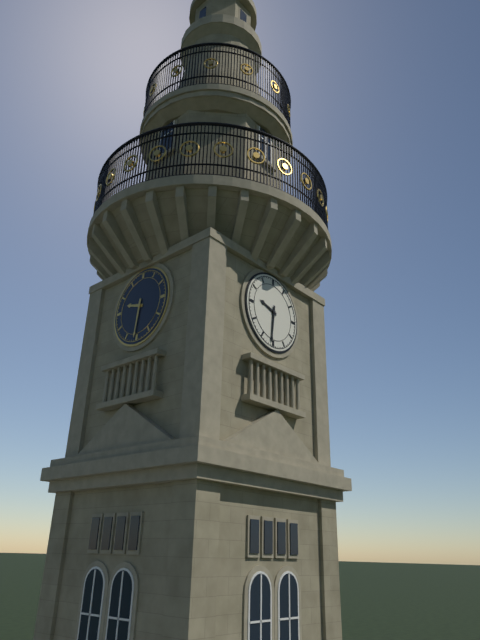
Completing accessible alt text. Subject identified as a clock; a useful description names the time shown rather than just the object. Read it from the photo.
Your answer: 9:31
